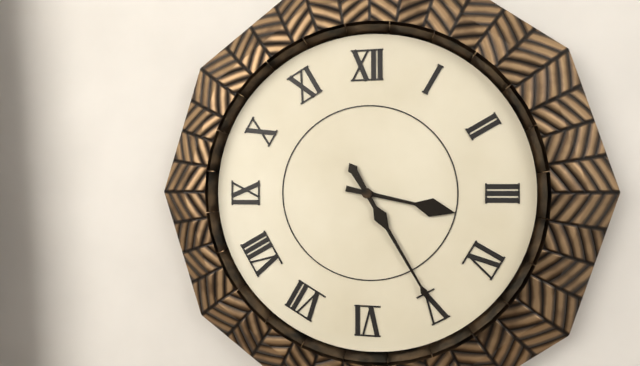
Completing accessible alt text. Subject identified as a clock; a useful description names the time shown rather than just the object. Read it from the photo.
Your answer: 3:25
